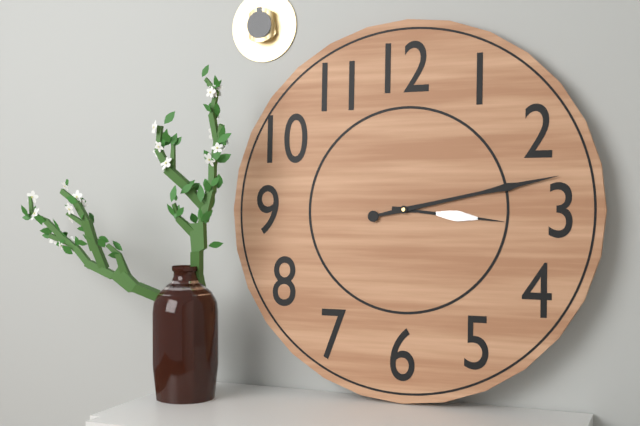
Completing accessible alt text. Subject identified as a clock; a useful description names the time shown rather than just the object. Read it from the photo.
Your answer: 3:13
